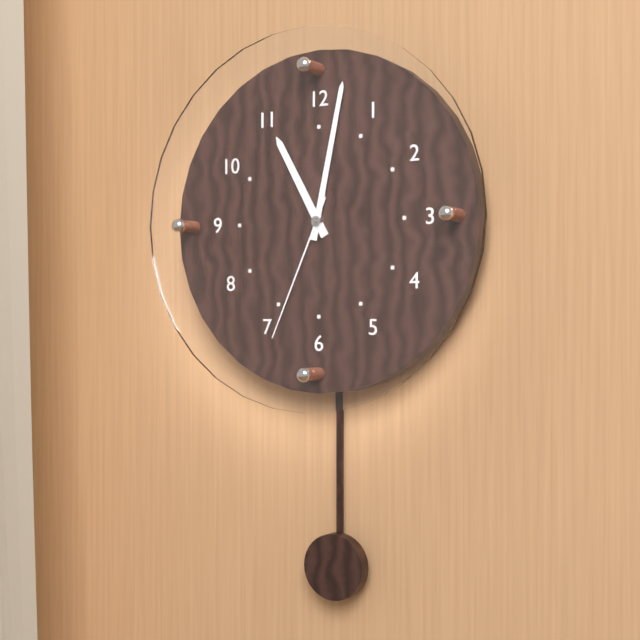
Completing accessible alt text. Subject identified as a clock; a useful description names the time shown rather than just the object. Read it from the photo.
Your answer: 11:02:34
